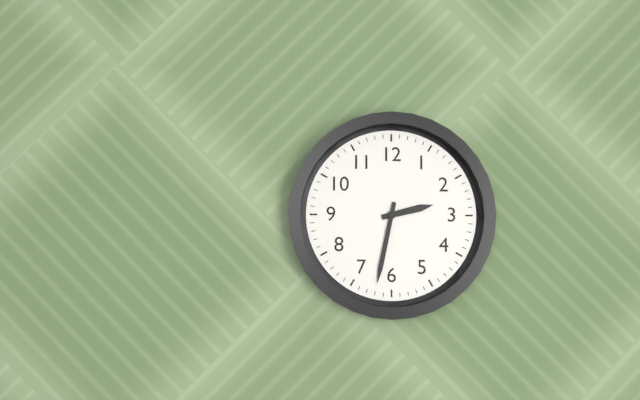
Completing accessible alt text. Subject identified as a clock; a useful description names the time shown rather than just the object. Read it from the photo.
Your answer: 2:32
